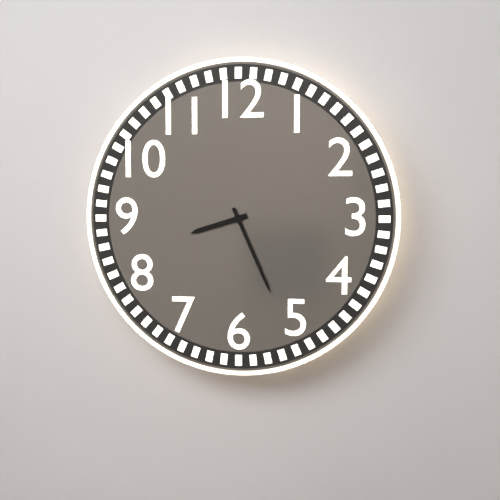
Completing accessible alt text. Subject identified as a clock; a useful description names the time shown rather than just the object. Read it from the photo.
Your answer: 8:26
